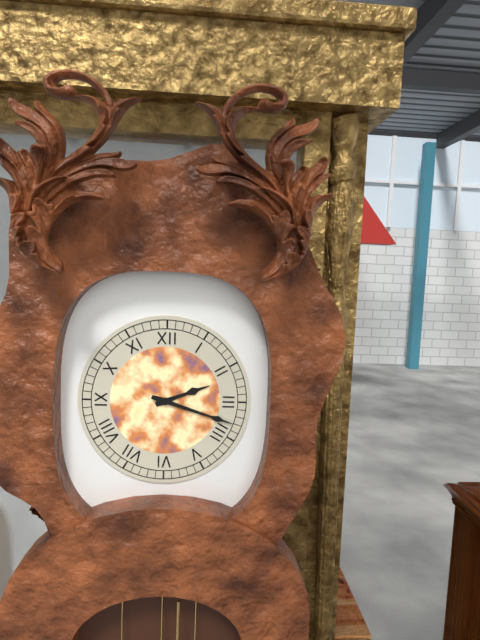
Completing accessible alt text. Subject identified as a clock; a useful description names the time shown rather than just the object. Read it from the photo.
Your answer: 2:18
